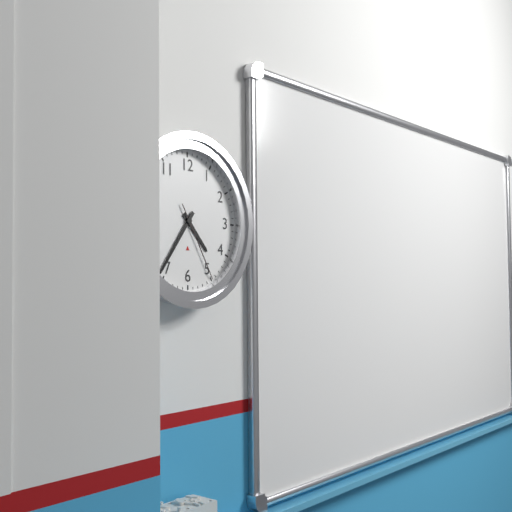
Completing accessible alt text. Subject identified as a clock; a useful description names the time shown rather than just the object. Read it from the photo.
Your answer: 4:36:25
